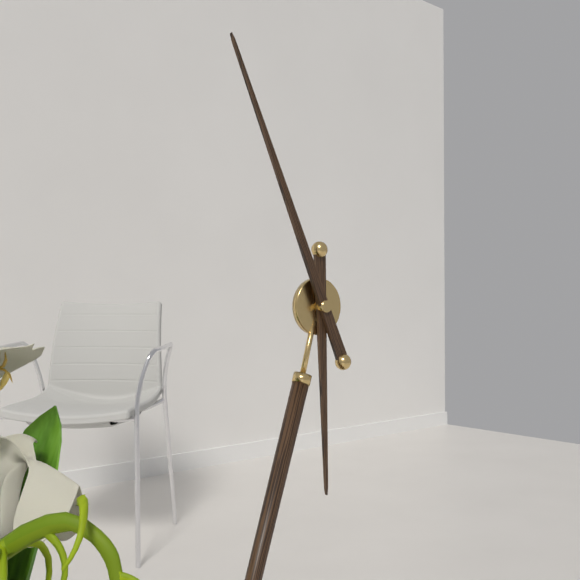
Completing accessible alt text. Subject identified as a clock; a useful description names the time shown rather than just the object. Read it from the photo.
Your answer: 5:56
